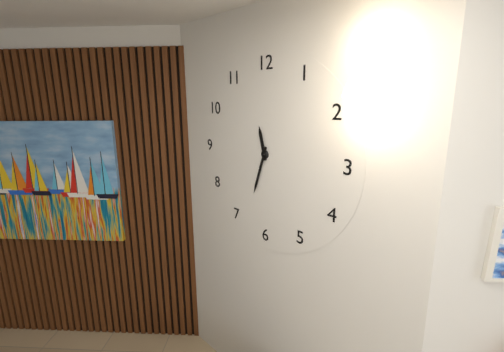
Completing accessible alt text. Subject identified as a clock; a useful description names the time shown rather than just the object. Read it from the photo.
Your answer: 11:33
